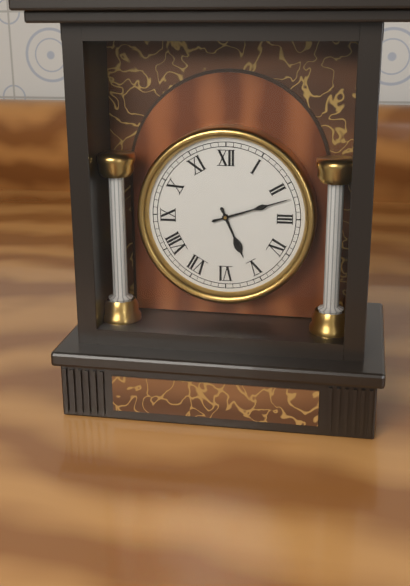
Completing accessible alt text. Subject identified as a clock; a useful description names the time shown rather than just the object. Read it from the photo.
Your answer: 5:12
